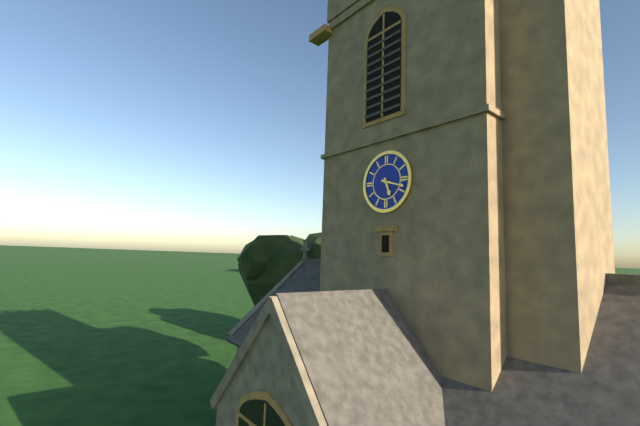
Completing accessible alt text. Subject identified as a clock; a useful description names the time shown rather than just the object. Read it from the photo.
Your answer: 5:18
